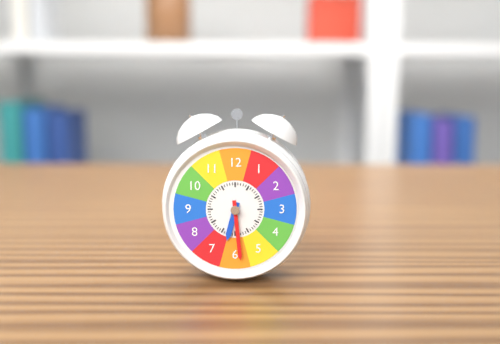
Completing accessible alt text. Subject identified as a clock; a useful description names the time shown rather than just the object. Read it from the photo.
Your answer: 6:29
